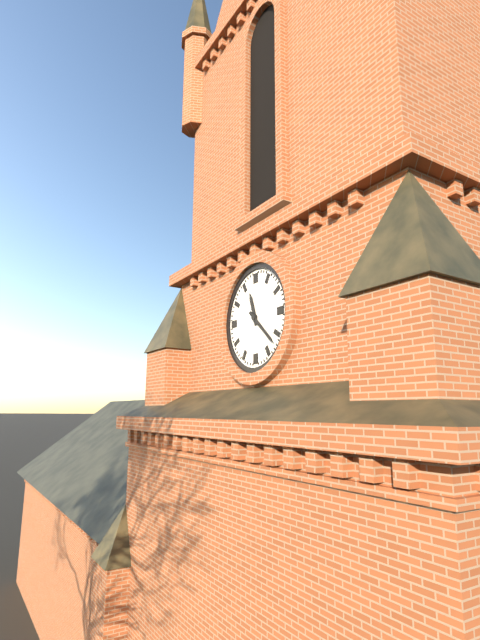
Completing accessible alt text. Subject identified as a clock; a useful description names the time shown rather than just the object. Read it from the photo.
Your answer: 11:22
